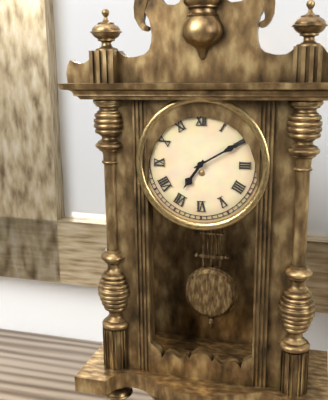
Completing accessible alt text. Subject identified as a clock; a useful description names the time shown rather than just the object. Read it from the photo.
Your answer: 7:10
